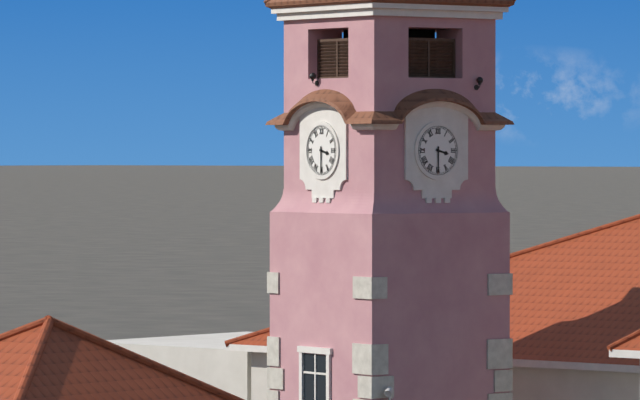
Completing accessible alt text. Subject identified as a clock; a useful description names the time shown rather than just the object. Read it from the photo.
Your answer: 3:30
